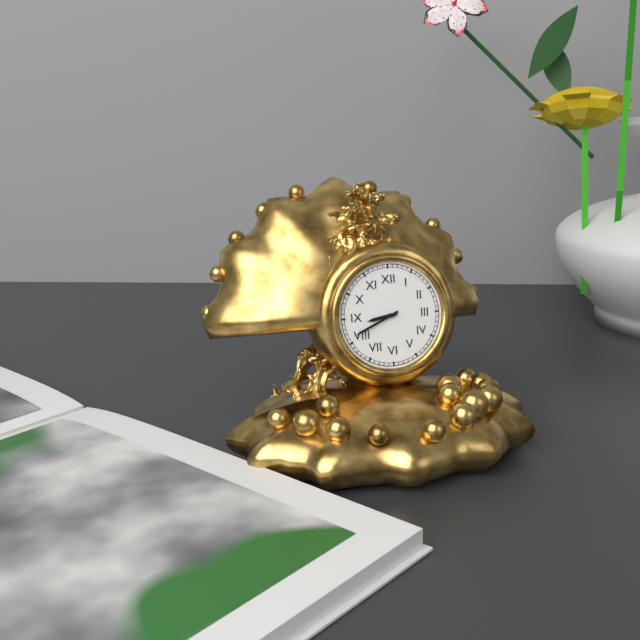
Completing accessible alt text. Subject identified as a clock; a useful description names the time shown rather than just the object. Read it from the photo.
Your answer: 8:41
